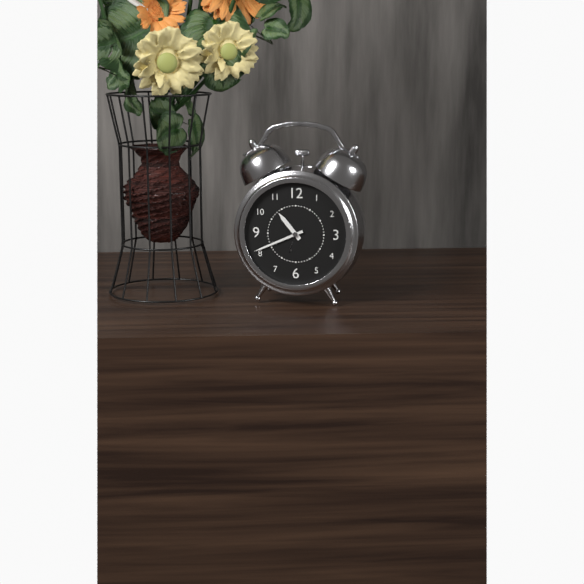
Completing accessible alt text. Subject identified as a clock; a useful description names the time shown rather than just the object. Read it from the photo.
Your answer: 10:41
